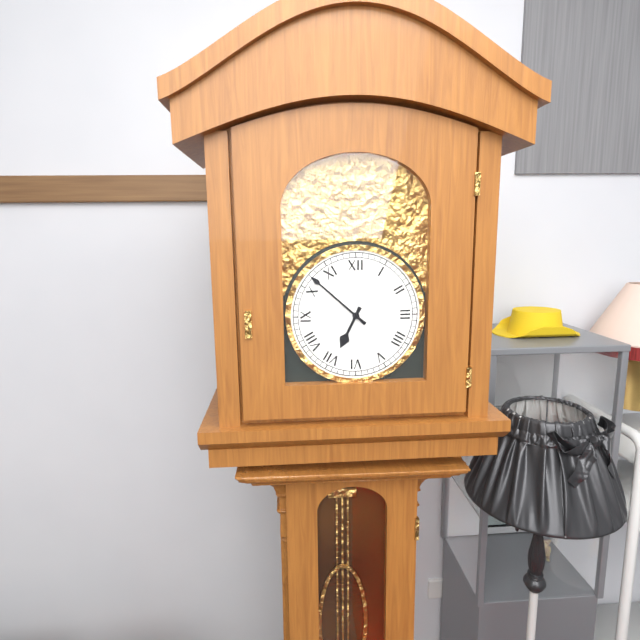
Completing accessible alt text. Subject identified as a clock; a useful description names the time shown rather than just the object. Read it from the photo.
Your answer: 6:52
